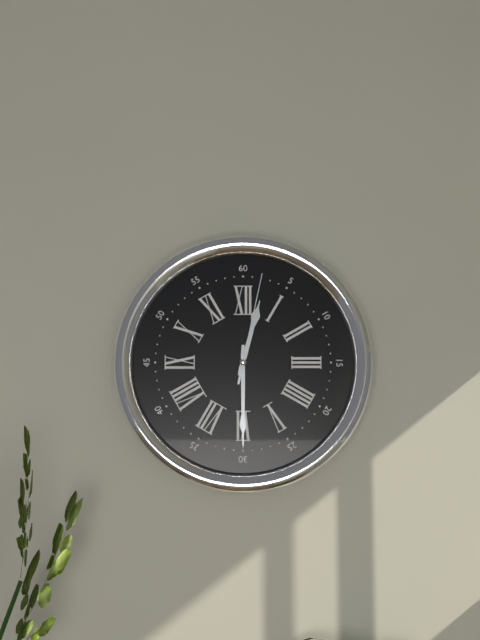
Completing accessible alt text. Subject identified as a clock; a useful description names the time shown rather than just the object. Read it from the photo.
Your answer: 12:30:02
